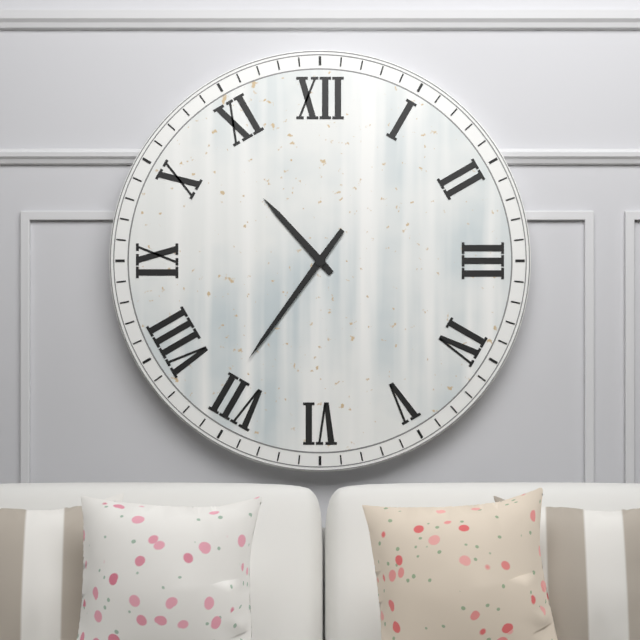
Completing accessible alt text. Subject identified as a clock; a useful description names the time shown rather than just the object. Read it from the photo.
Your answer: 10:36
